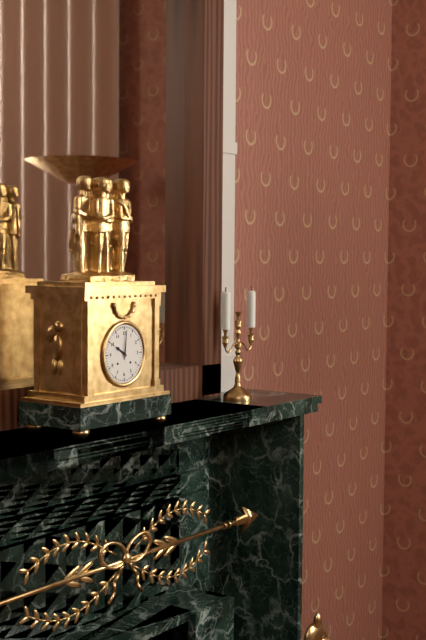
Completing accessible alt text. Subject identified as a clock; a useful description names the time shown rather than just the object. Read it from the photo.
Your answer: 10:01
